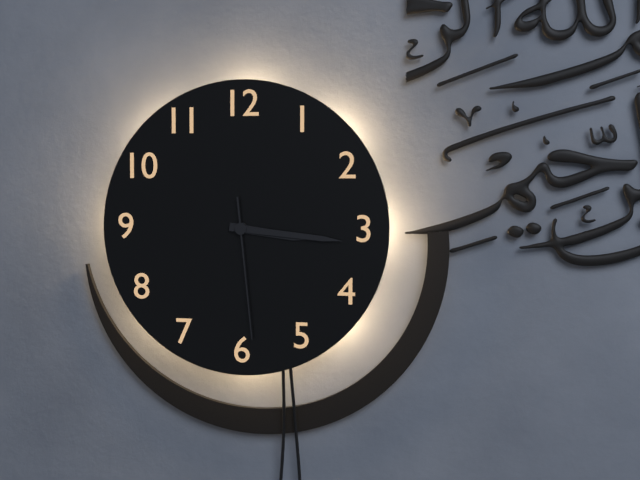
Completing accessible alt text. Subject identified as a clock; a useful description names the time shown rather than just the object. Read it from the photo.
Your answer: 3:16:29
